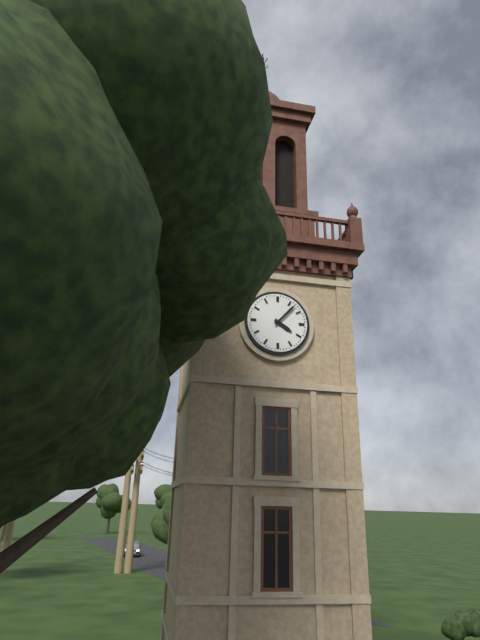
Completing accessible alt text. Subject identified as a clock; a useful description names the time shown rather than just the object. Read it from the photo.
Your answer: 4:07
